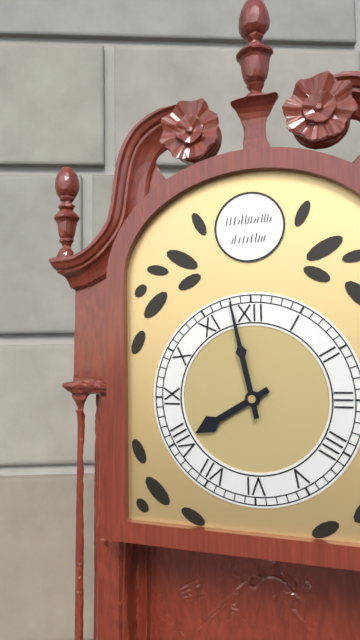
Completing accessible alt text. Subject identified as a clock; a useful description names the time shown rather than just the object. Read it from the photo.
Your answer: 7:58
